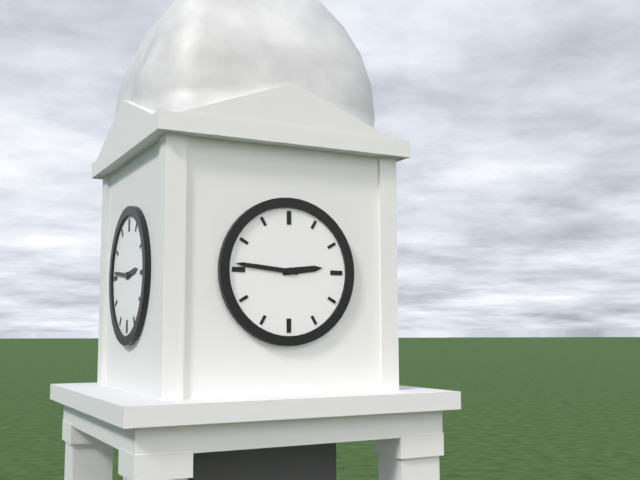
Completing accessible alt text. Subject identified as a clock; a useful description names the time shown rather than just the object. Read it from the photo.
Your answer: 2:46
